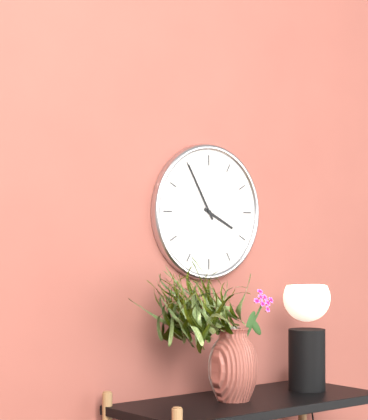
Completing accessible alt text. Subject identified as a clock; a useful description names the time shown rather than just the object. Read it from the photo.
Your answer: 3:55
